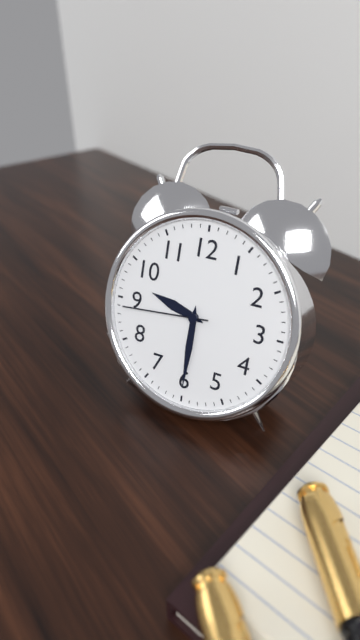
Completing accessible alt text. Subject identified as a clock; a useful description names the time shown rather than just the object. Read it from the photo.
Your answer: 9:30:44
